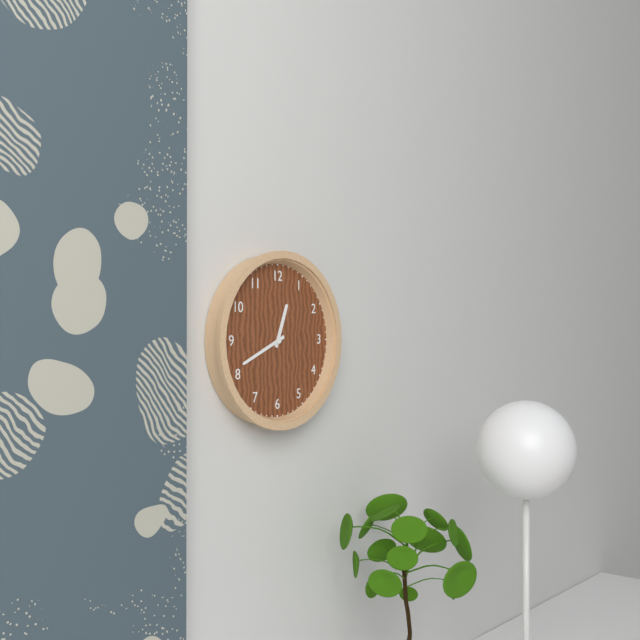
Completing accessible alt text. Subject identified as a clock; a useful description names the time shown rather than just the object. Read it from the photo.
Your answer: 12:41
